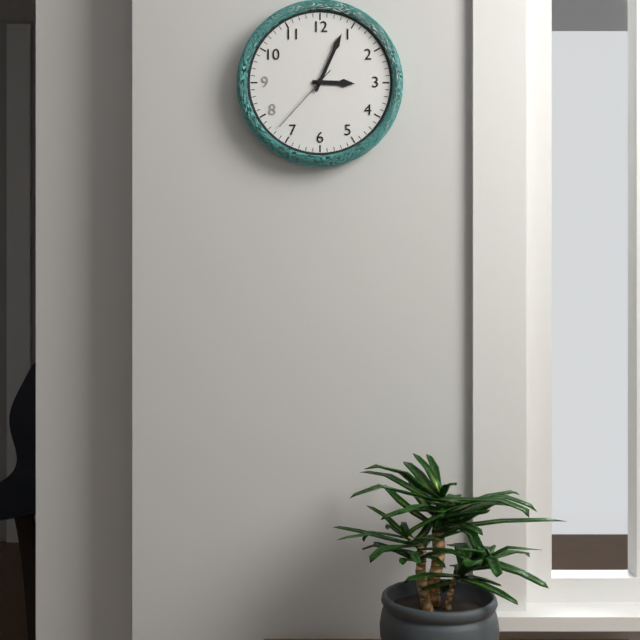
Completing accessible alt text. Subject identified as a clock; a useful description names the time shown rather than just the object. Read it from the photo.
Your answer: 3:04:37
